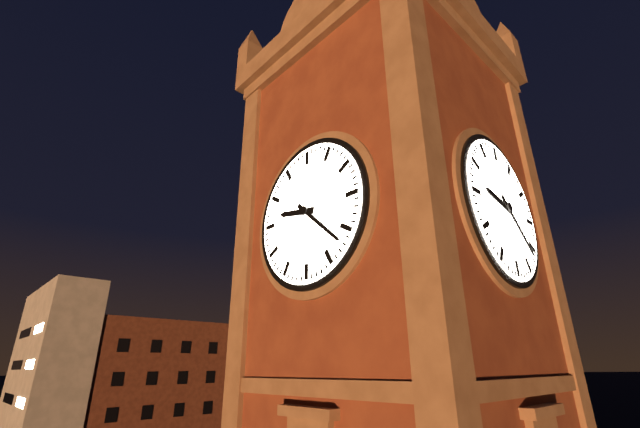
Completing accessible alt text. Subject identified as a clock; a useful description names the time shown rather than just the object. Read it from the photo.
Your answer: 9:22
